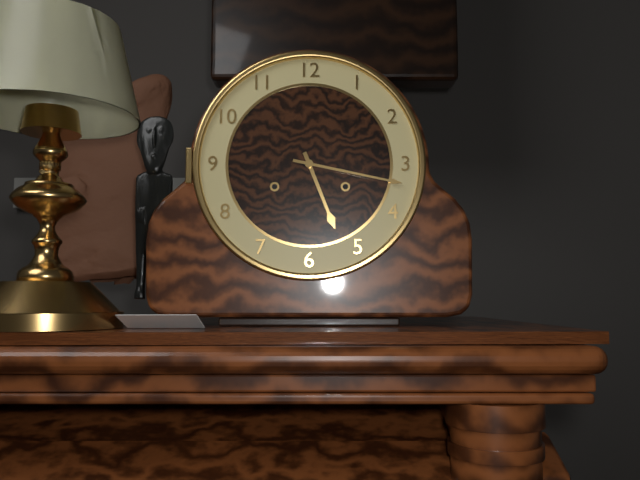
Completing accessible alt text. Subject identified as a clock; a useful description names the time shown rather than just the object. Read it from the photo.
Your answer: 5:17
